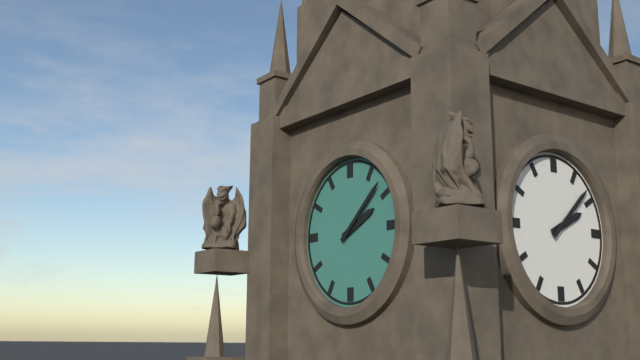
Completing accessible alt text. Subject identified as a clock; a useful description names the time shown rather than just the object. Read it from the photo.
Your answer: 2:08
